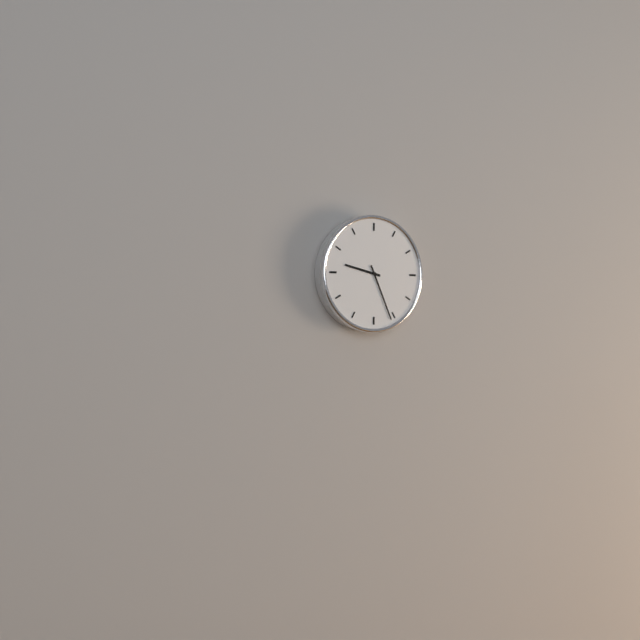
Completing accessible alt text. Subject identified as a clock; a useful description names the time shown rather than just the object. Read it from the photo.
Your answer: 9:26
